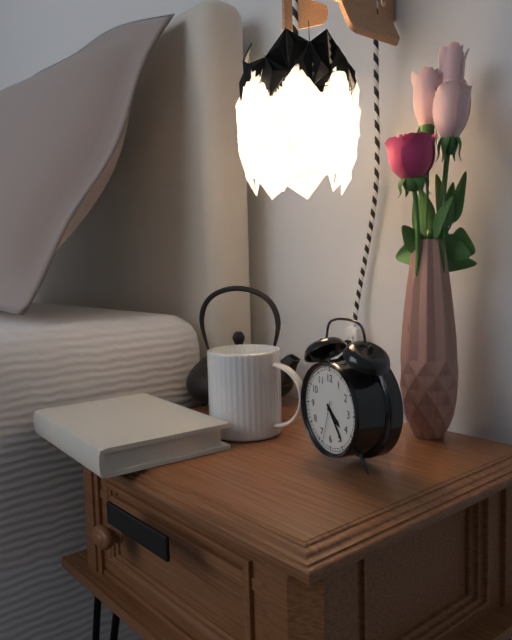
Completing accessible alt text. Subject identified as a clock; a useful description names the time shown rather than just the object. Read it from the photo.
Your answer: 4:24
